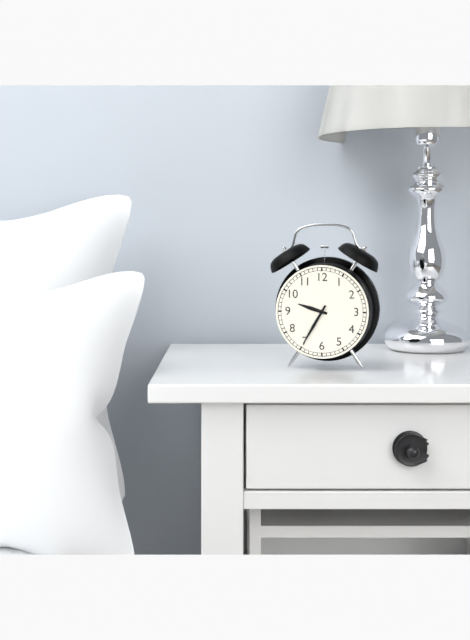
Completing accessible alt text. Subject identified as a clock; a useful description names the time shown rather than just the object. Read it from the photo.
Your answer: 9:35
